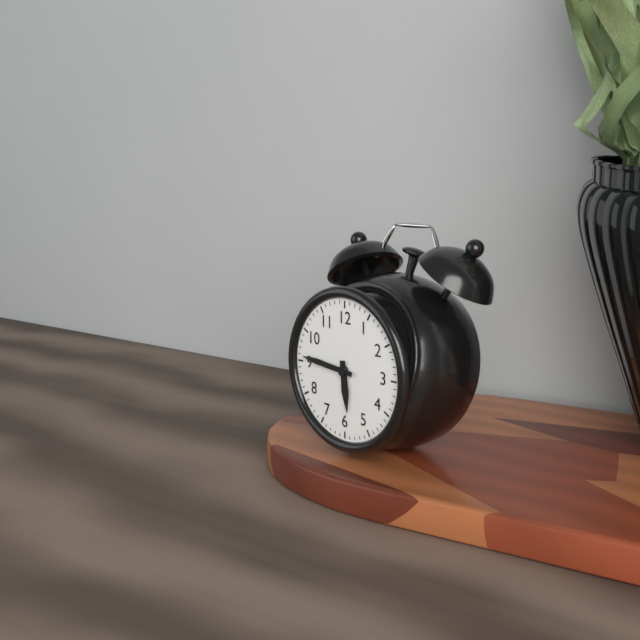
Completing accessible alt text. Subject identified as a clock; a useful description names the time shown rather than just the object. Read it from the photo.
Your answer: 5:46
